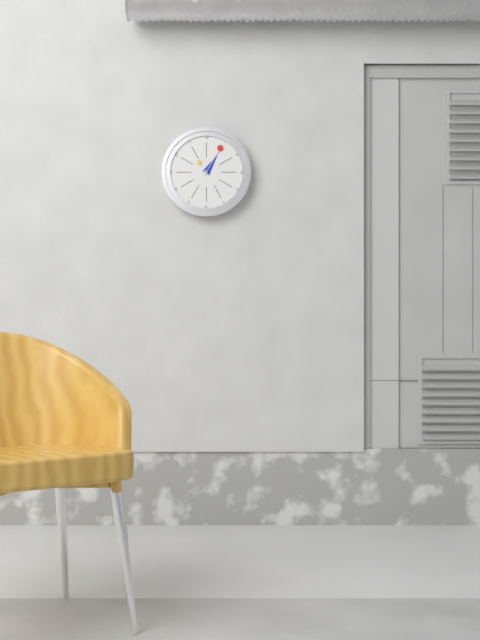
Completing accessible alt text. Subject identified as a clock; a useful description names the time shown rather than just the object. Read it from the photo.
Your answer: 1:05
